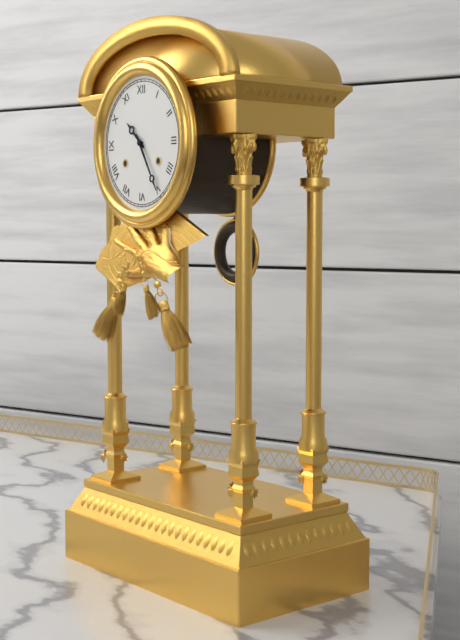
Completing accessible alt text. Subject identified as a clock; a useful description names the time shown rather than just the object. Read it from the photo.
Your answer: 10:25
